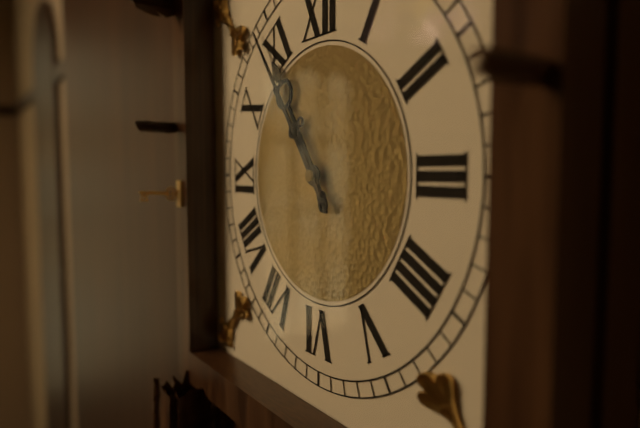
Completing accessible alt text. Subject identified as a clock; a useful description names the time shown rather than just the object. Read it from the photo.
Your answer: 10:54
